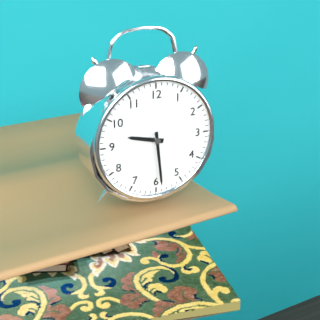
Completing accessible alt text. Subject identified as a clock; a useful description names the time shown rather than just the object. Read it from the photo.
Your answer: 9:29
